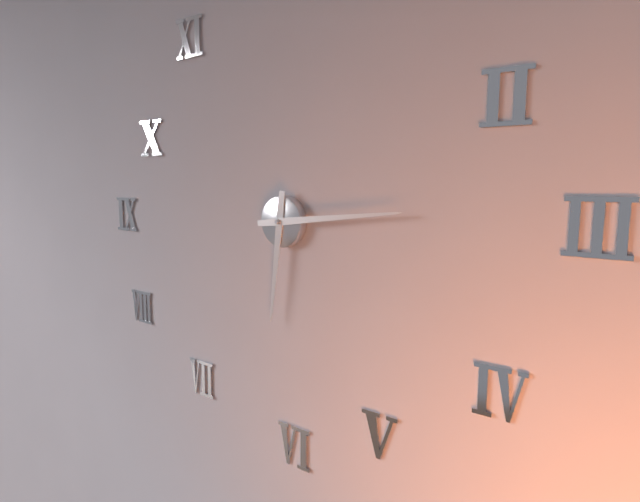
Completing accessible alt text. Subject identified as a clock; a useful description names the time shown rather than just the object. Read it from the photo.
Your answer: 6:14
